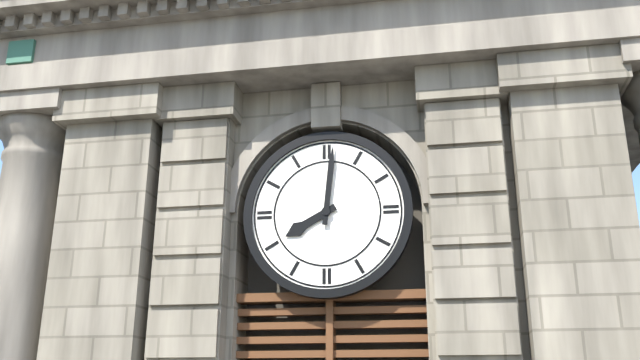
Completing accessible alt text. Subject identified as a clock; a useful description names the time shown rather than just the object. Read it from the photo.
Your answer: 8:01
